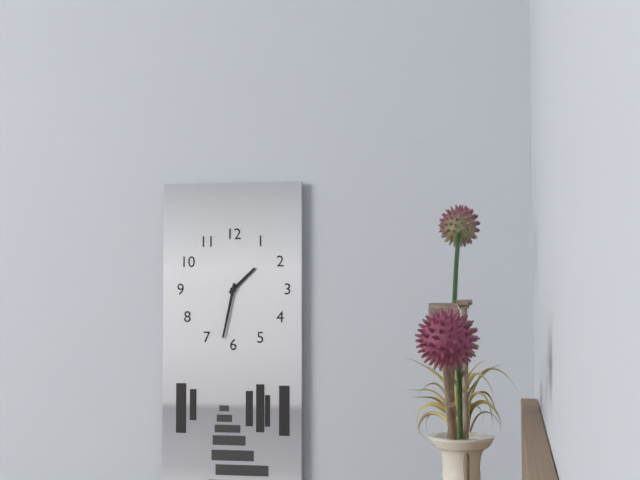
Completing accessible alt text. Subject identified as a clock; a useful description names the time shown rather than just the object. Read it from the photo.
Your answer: 1:32
